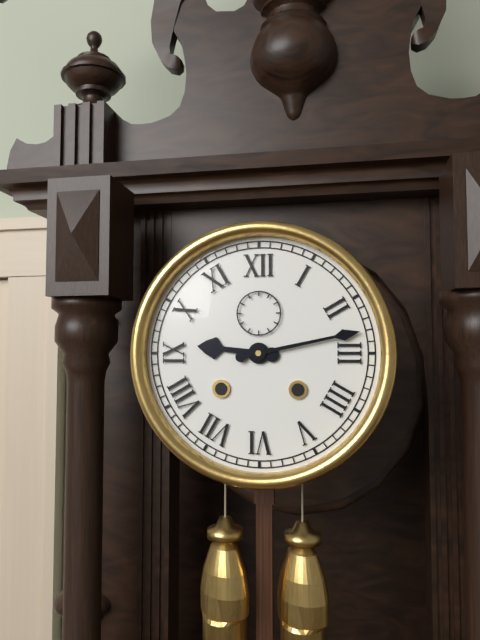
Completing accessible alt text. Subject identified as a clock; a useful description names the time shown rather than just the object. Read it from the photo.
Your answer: 9:13
